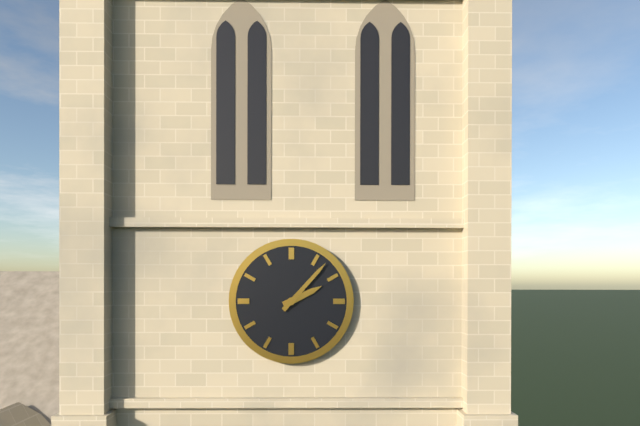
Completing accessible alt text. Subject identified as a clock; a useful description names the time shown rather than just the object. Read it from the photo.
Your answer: 2:07
